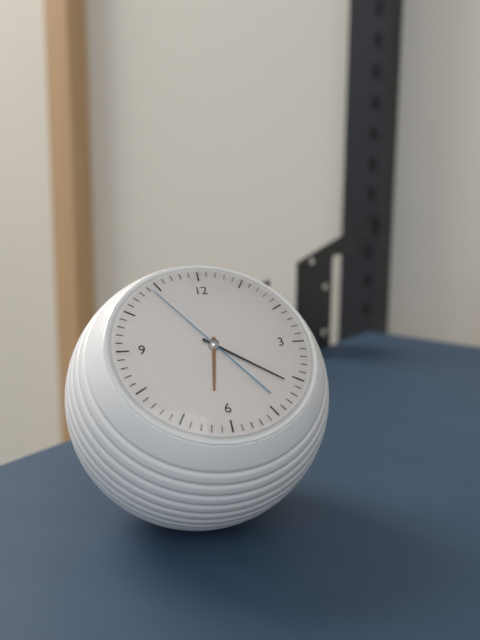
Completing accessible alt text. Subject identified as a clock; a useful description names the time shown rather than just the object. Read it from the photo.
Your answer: 6:21:54
